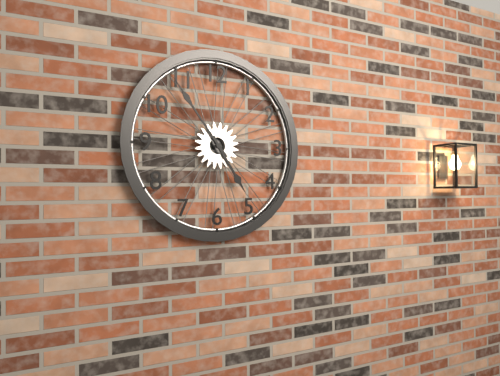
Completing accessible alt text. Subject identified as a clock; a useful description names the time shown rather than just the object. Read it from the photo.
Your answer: 4:54
